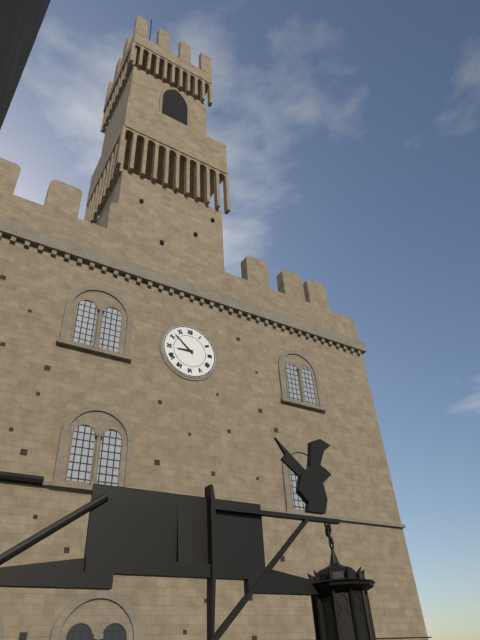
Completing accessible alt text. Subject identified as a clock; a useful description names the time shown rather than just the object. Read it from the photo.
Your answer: 8:52
